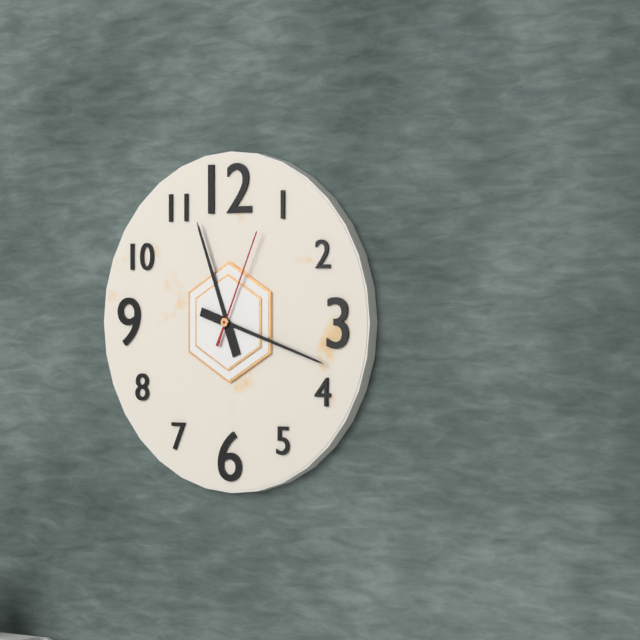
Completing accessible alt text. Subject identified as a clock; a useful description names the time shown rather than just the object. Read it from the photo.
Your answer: 11:18:04
